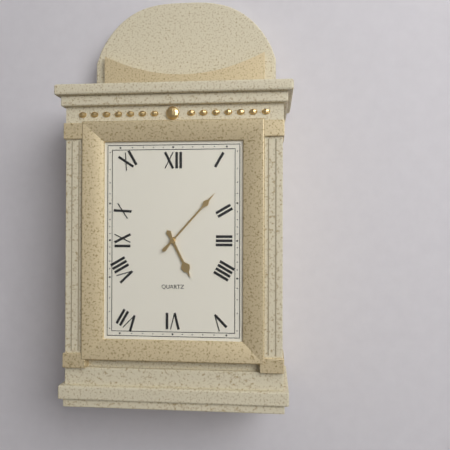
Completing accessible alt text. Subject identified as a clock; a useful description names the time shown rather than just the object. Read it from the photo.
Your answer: 5:07
